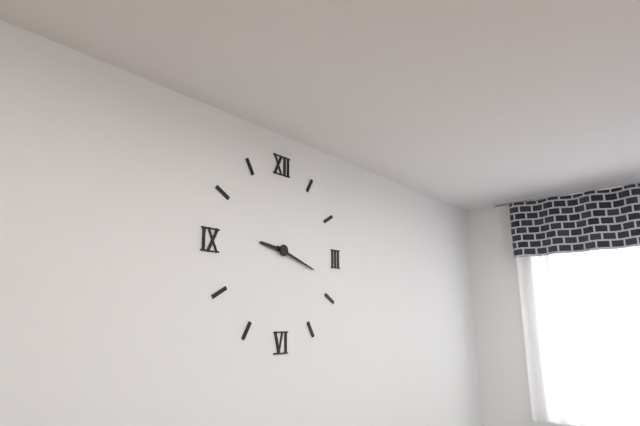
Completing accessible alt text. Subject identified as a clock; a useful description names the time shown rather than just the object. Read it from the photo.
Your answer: 9:18
